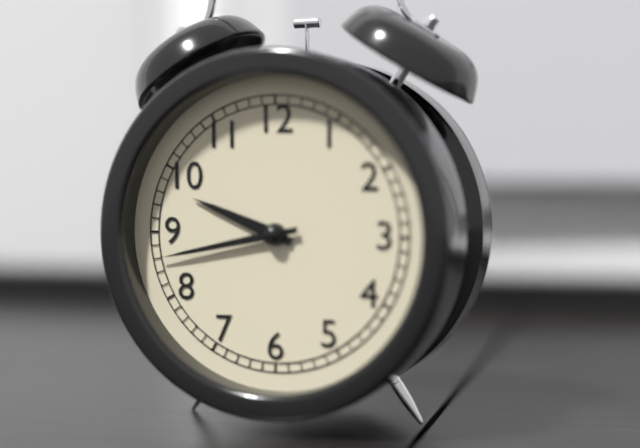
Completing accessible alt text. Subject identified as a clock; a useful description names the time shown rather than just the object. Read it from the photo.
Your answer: 9:43
